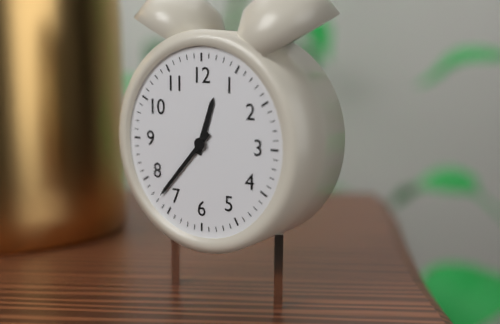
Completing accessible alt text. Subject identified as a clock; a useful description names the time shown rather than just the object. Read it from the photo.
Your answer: 12:37
